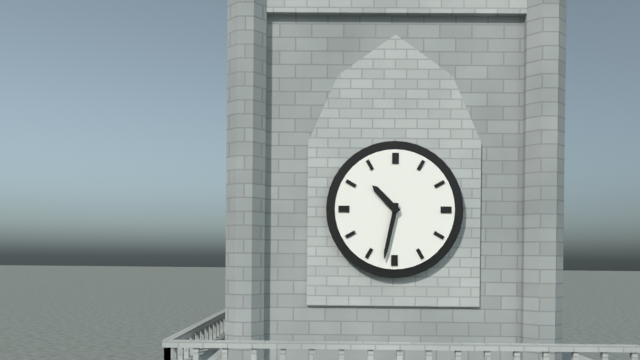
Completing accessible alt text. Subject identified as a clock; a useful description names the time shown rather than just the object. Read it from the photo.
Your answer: 10:32
